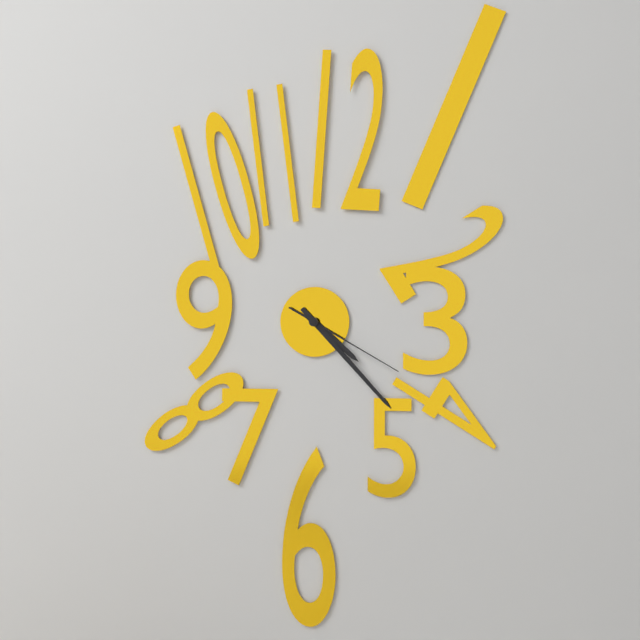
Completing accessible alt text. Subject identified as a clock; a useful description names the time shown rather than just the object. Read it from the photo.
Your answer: 4:23:20
